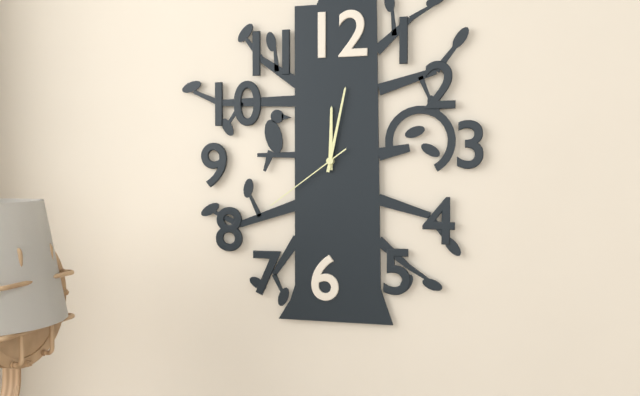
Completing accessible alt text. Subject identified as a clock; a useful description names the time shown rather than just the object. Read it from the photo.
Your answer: 12:02:39
